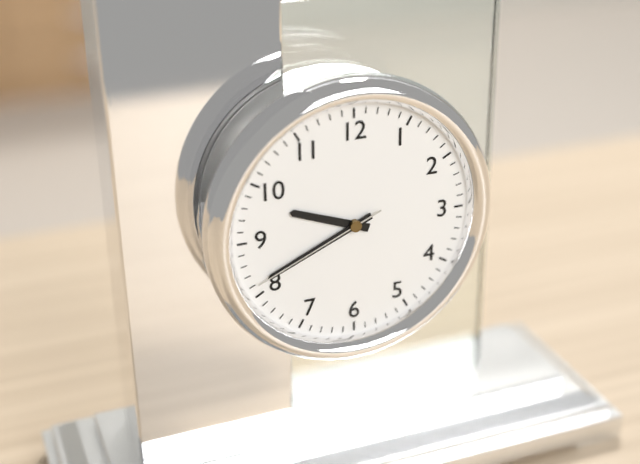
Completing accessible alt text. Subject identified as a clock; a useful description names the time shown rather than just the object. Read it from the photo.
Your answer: 9:41:41
